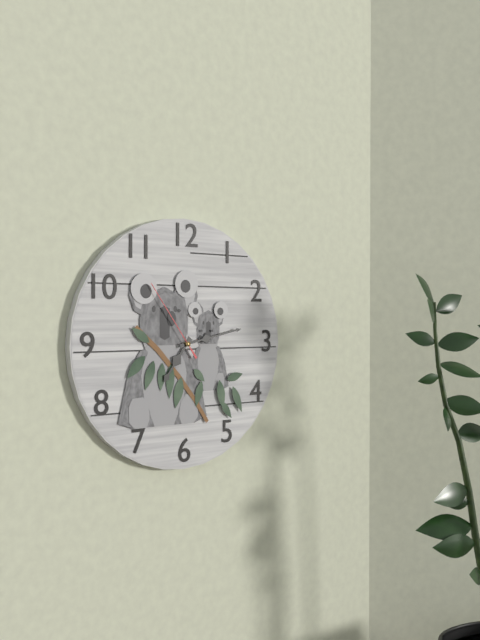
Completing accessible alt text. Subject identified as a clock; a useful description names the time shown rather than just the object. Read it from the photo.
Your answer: 7:13:54
